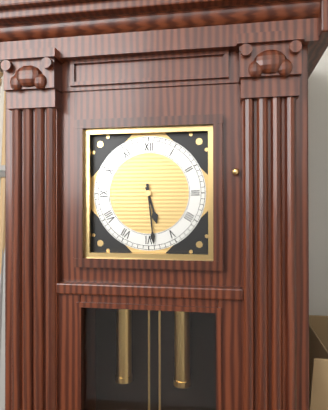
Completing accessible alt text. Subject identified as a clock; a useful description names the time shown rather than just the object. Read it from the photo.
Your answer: 5:29
